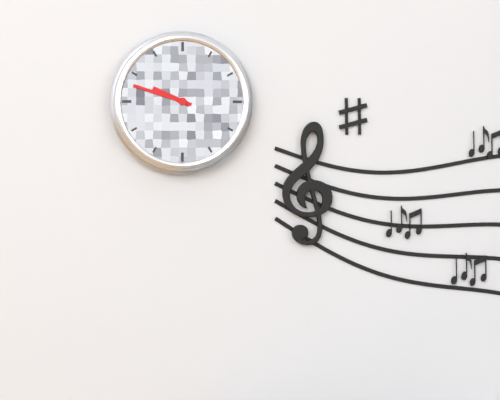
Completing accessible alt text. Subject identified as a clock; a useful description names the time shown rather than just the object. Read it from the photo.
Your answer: 9:48
